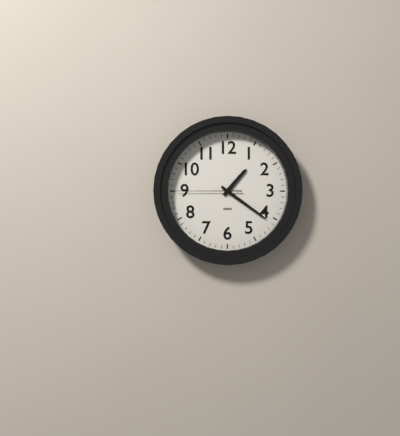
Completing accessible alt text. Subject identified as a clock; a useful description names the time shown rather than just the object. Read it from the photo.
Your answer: 1:21:45
